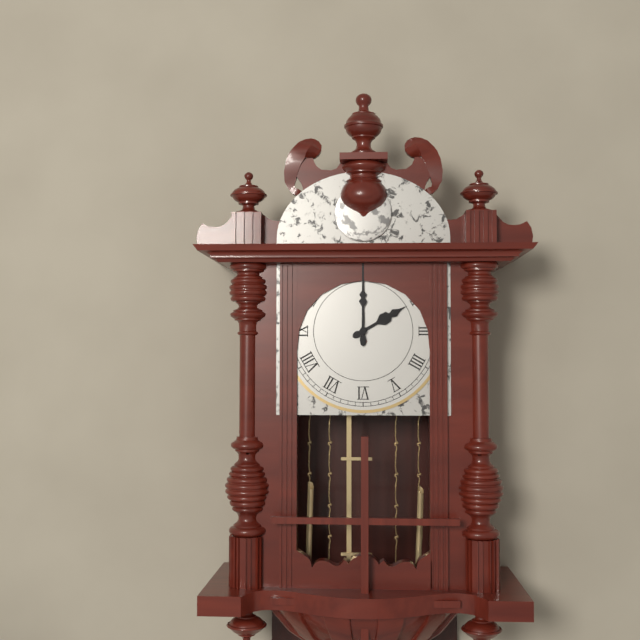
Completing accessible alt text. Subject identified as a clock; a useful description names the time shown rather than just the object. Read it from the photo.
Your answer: 2:00
